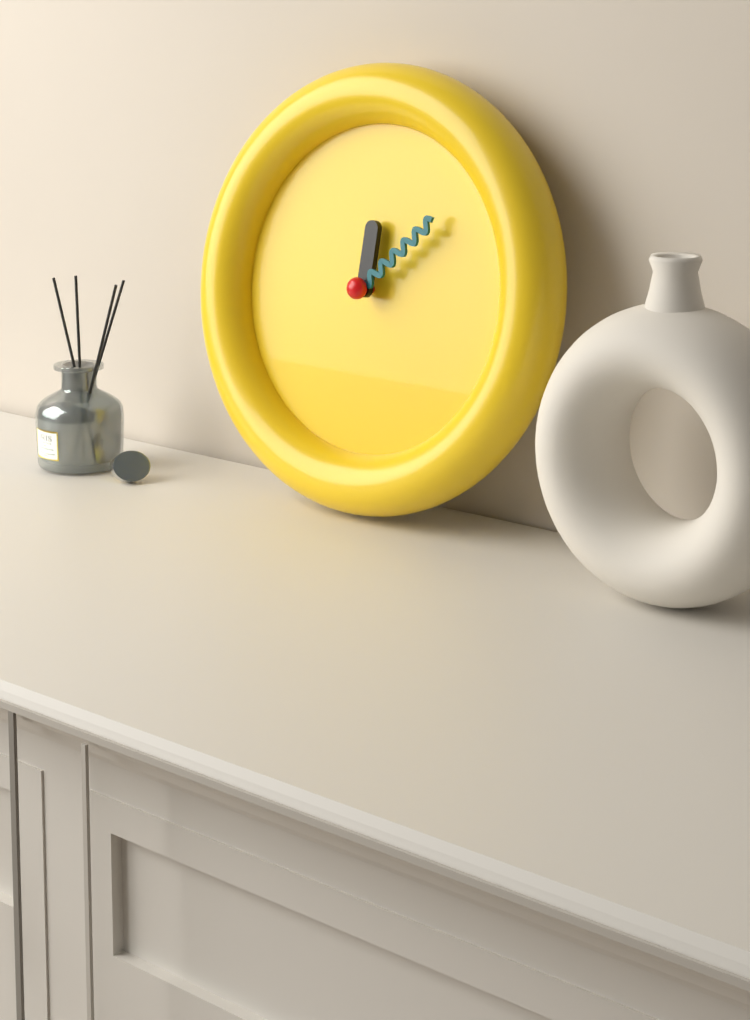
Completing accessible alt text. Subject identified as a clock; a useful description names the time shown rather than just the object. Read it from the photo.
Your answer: 12:08
